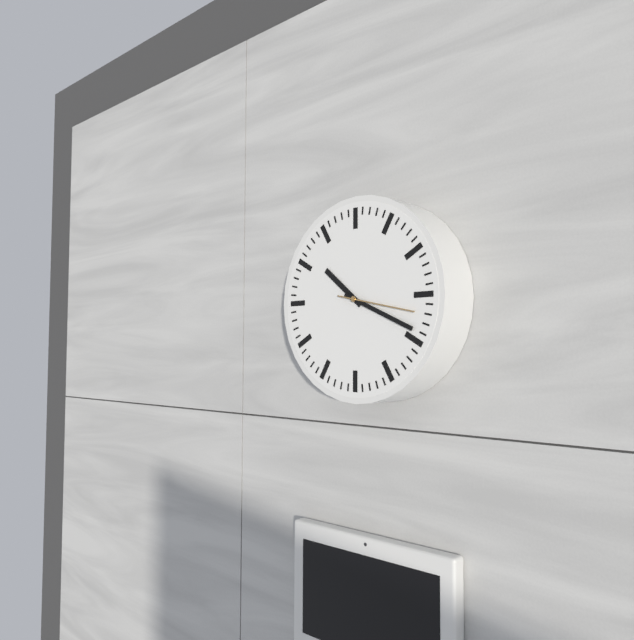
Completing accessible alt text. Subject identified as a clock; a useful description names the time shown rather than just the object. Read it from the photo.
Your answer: 10:19:17
